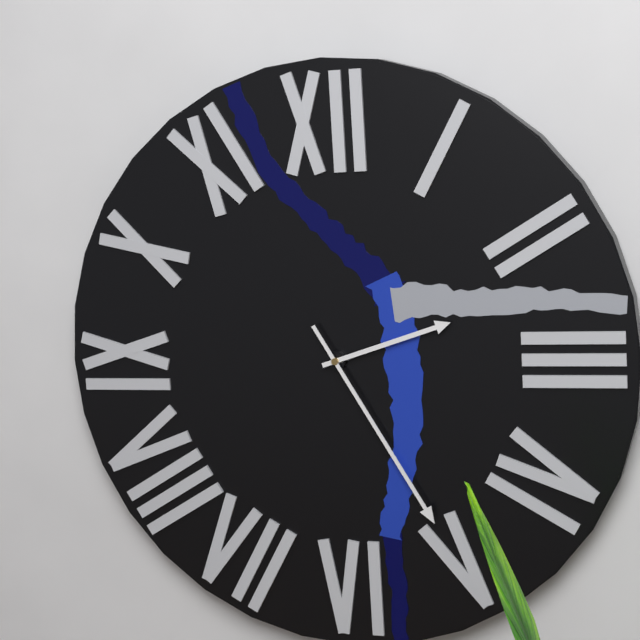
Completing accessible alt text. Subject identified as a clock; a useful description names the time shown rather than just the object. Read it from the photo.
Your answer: 2:25
